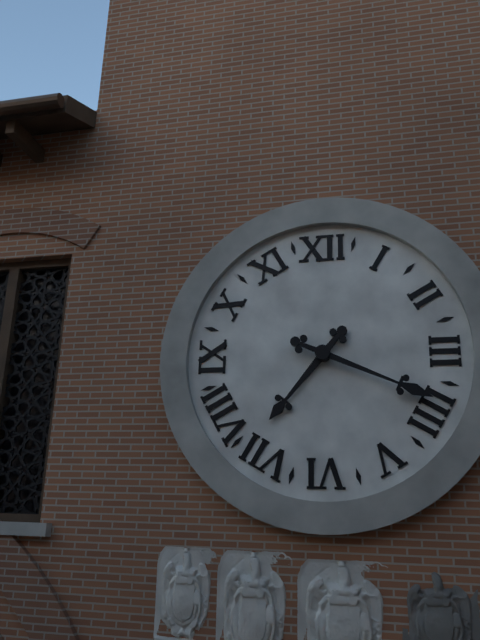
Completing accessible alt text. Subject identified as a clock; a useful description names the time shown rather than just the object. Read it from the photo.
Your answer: 7:19
